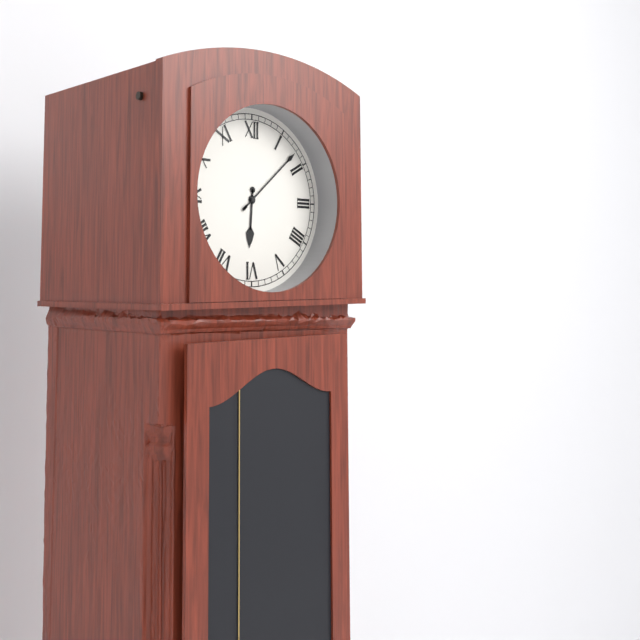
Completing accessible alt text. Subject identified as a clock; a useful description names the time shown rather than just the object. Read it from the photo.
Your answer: 6:08
